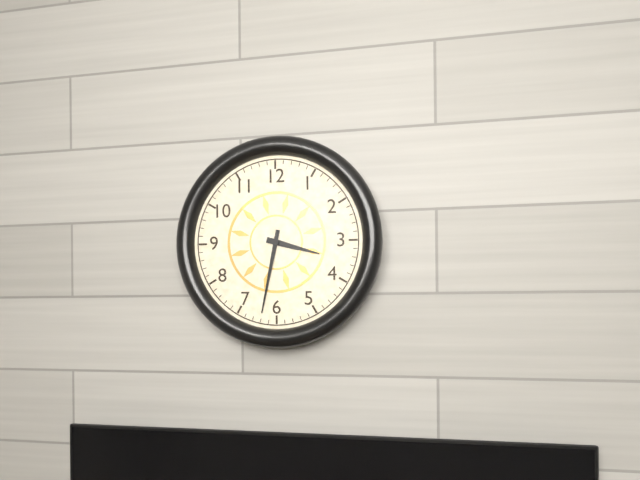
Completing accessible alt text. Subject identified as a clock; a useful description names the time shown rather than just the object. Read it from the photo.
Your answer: 3:32
